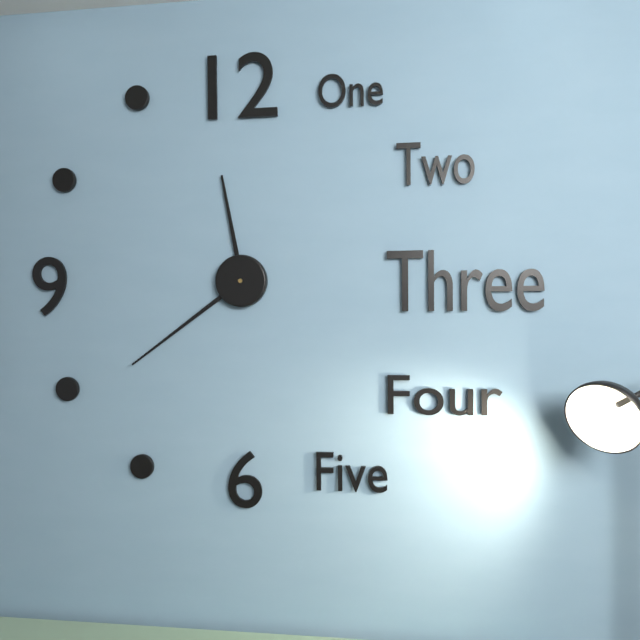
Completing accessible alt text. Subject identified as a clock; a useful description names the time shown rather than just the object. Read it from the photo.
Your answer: 11:39
